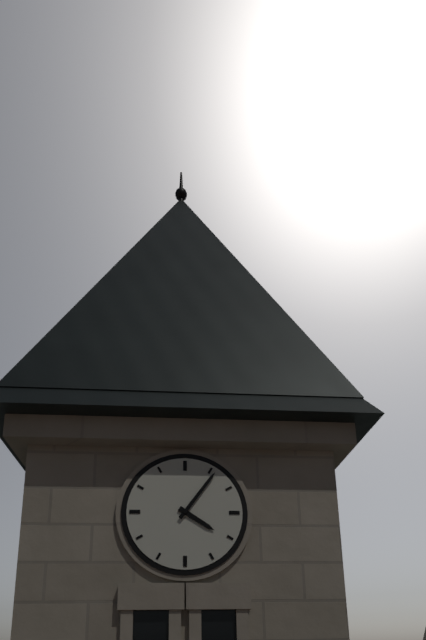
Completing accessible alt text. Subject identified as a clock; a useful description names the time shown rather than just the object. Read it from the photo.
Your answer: 4:06
